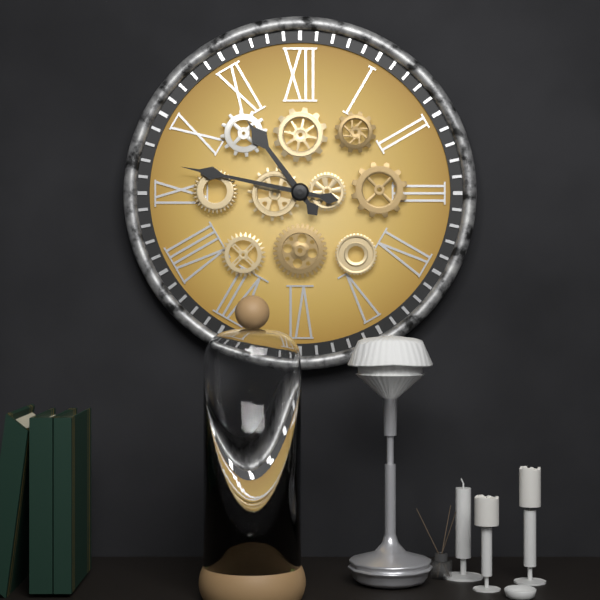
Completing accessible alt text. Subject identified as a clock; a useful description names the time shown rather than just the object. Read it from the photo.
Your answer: 10:47
